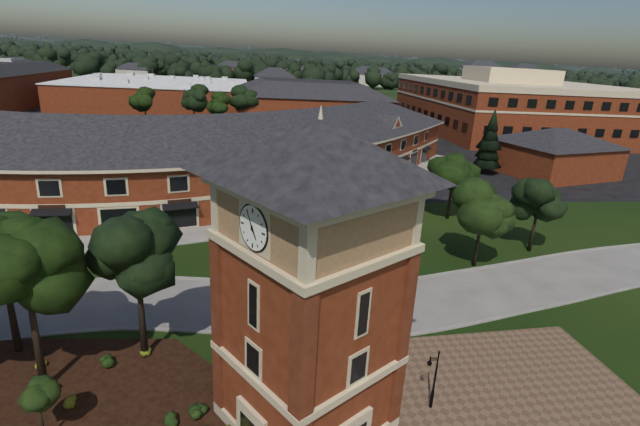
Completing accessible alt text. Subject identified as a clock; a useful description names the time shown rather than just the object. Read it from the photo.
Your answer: 4:55
